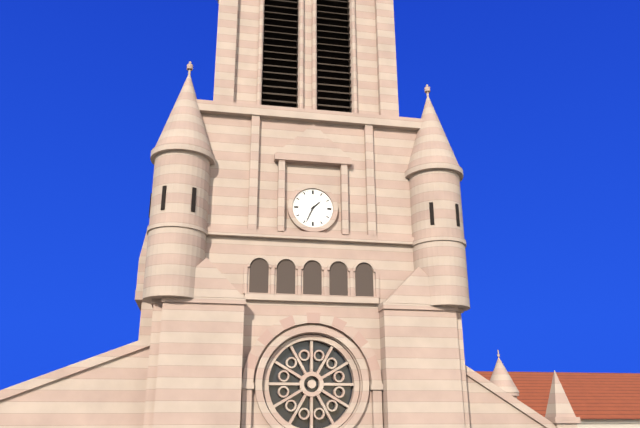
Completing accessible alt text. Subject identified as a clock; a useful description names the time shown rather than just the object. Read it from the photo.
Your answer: 1:34
